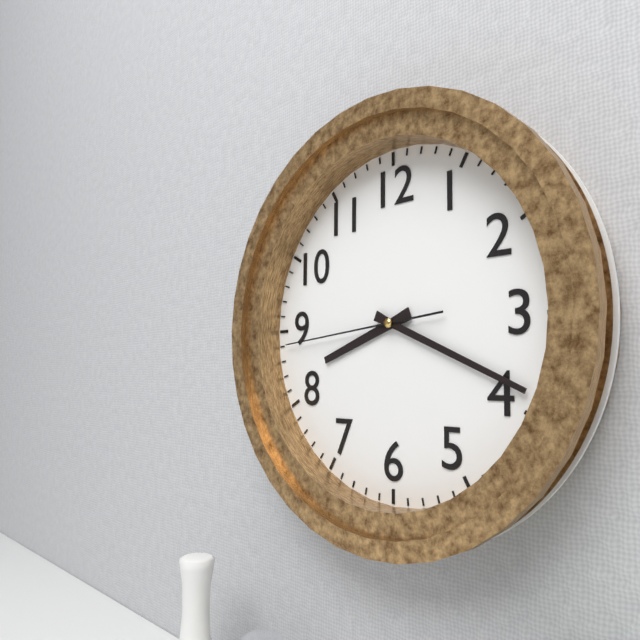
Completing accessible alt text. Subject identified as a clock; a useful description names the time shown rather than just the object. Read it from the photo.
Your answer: 8:19:44
